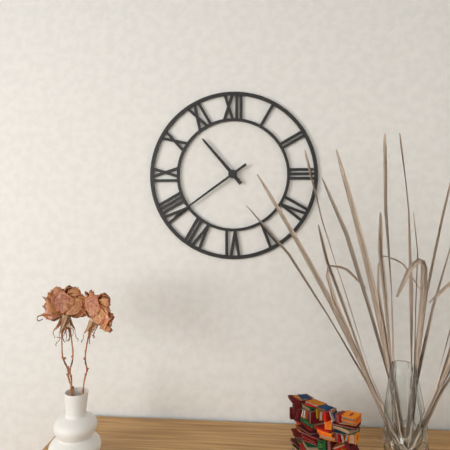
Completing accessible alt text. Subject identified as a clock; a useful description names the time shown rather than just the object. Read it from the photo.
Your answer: 10:39
